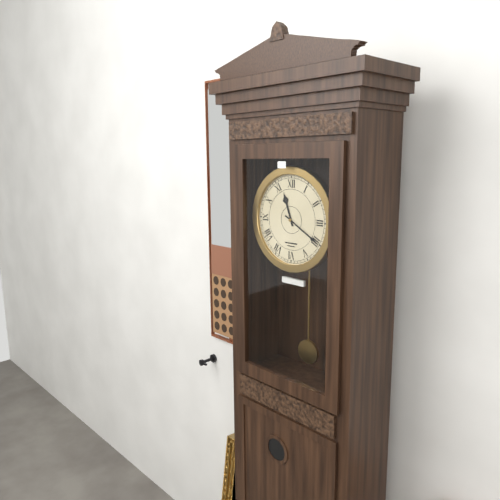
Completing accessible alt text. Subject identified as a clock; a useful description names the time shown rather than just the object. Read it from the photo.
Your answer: 11:20
